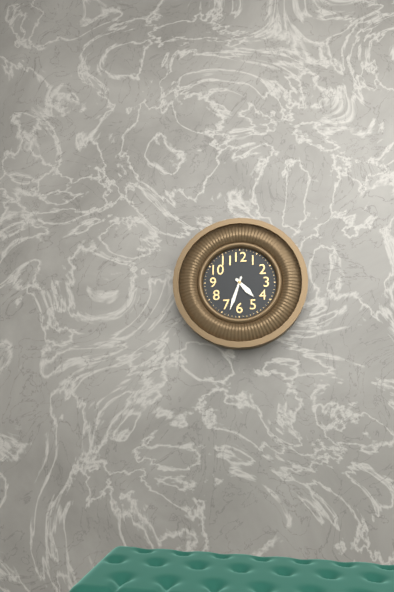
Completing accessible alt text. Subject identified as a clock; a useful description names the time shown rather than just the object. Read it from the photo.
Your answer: 4:33
